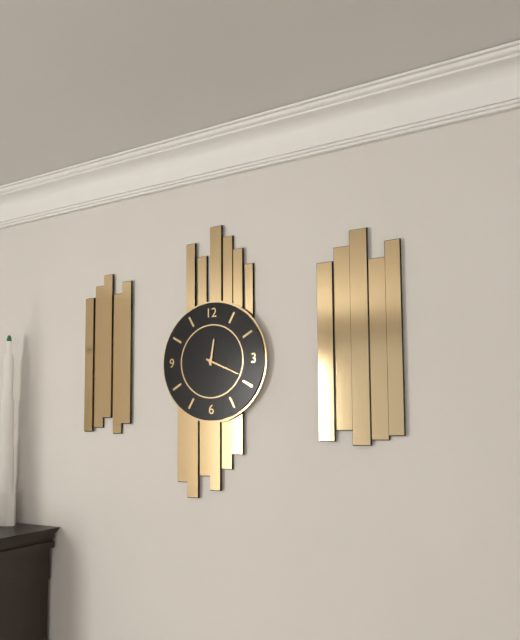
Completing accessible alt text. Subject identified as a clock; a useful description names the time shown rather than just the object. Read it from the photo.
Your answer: 12:19
